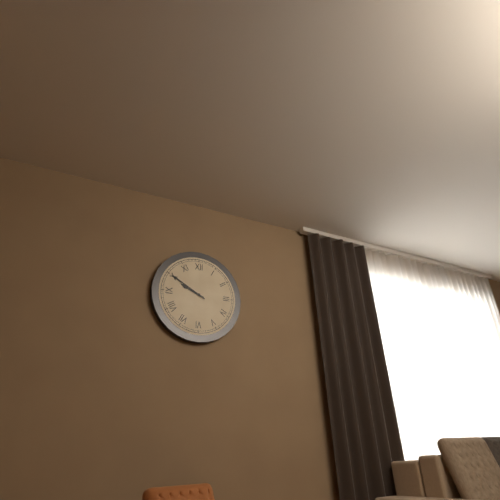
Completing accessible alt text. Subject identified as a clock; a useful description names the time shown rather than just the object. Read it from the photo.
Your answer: 9:50
